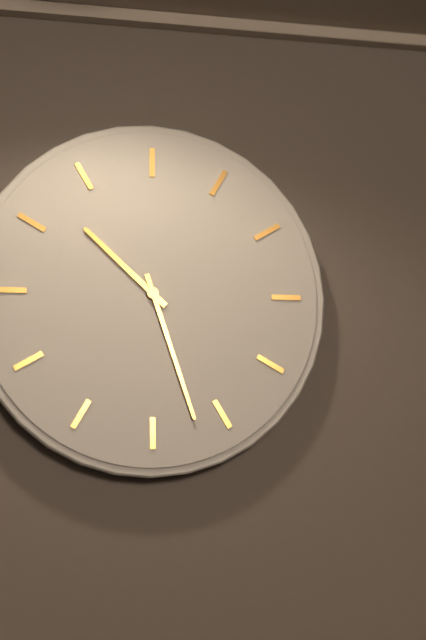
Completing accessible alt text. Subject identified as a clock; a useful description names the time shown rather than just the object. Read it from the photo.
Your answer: 10:27
